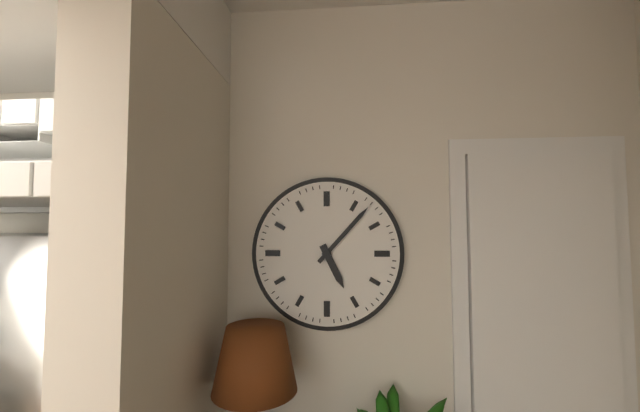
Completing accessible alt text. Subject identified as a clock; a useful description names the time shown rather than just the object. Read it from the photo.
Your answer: 5:07
